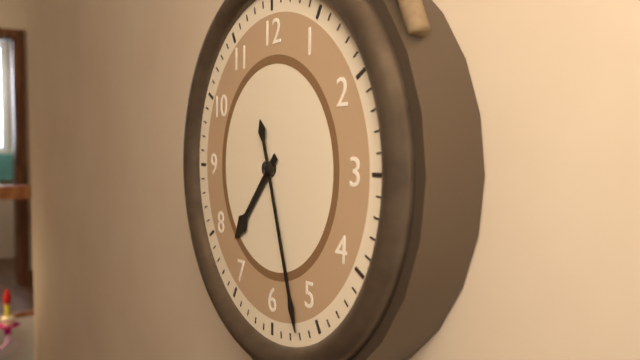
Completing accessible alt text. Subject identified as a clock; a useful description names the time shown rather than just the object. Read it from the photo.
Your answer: 7:27
